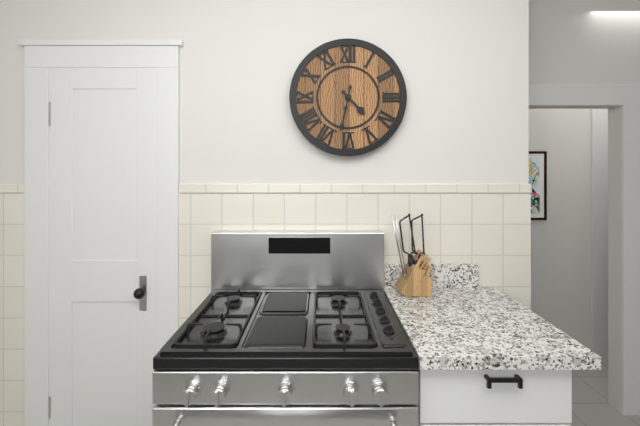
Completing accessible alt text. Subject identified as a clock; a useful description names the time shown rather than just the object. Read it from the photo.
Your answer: 4:32
